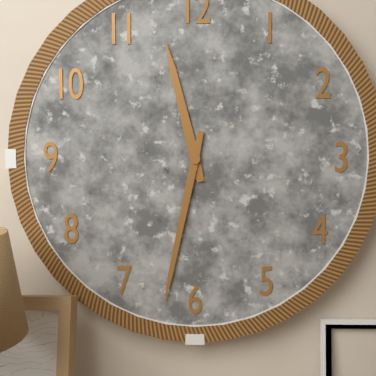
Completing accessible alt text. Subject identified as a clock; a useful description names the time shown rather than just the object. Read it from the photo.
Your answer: 11:32
